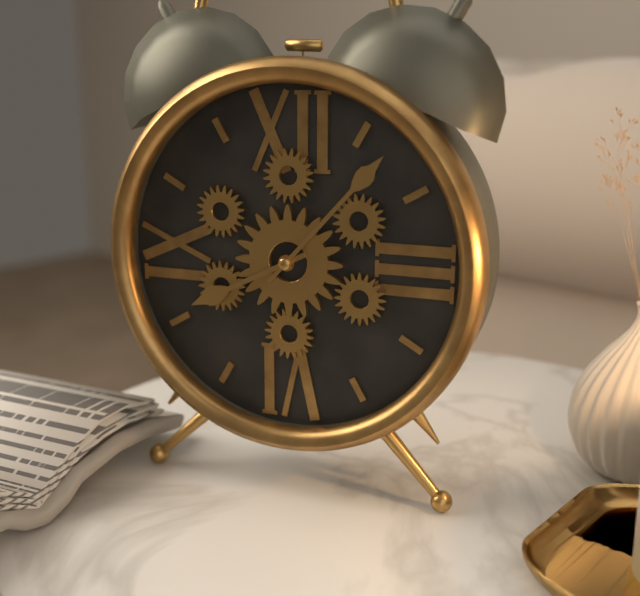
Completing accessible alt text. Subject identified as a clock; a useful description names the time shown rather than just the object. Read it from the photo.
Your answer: 8:07
